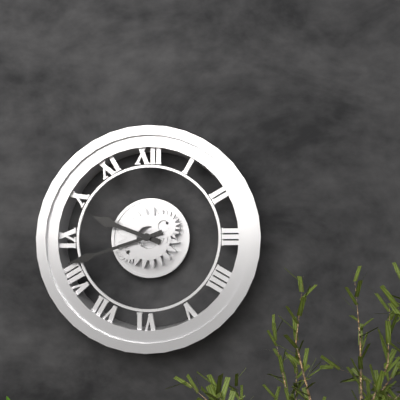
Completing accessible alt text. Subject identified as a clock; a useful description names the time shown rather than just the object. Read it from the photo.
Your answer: 9:42
